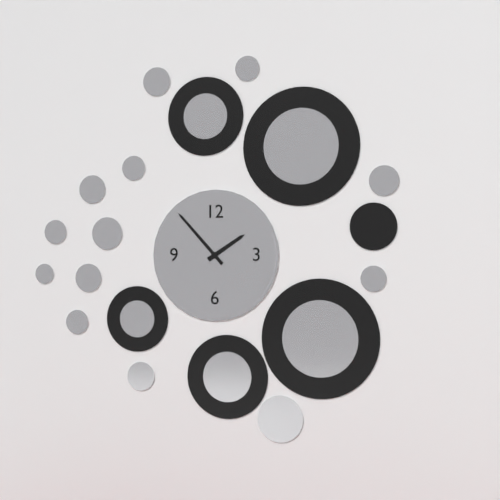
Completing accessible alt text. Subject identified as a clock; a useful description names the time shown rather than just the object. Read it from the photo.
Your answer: 1:53
